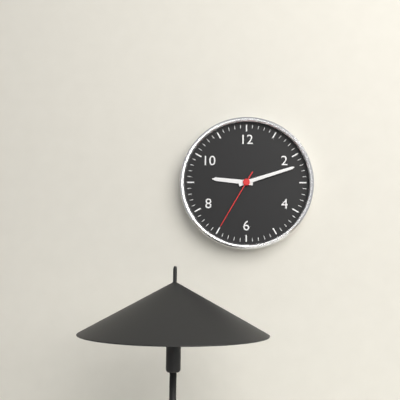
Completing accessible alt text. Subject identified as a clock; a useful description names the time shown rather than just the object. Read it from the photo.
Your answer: 9:12:35
